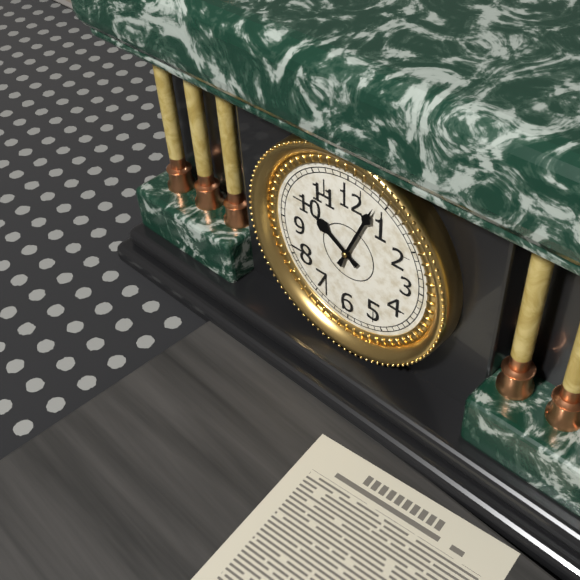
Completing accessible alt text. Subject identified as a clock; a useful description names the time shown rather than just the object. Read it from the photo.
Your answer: 10:04
